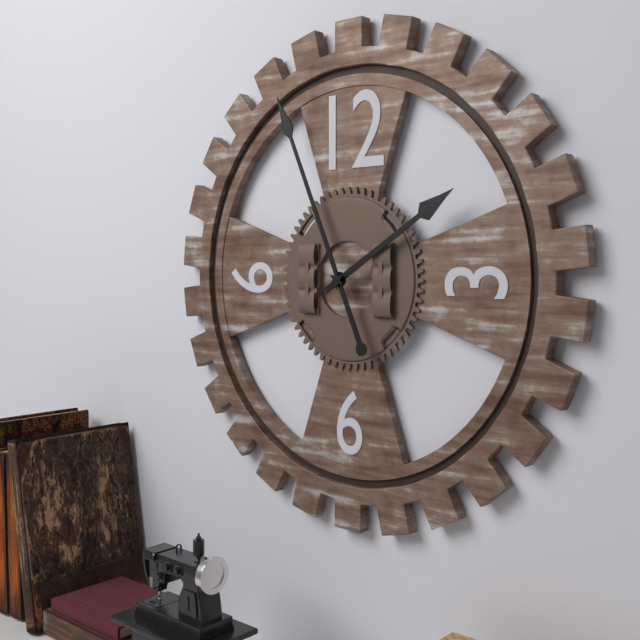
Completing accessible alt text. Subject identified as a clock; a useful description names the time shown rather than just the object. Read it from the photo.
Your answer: 1:56
